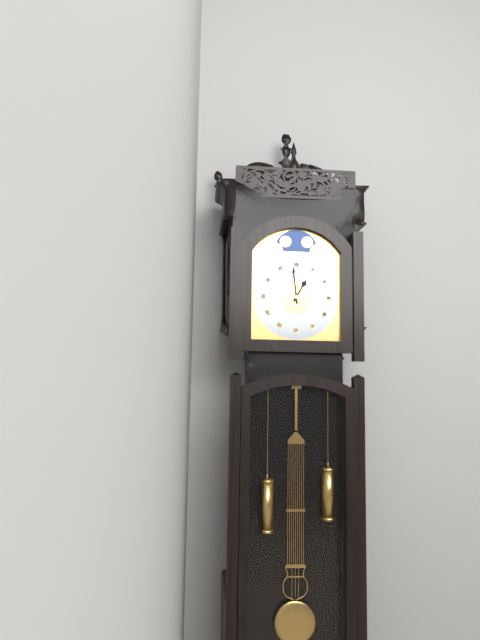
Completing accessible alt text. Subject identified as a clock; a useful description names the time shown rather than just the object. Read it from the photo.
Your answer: 12:59
